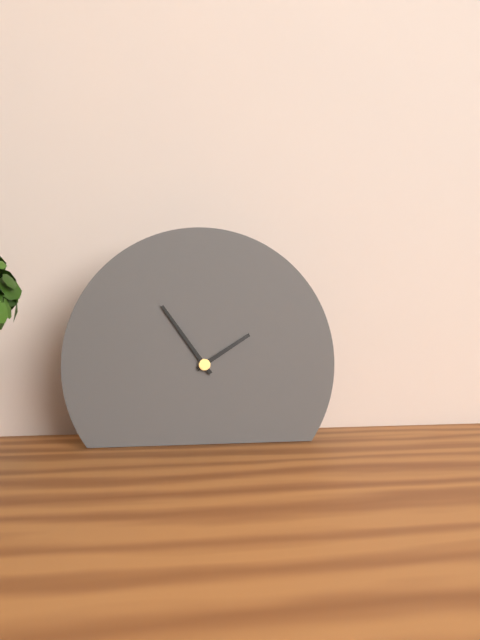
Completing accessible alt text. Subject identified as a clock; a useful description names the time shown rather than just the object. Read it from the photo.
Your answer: 1:54
